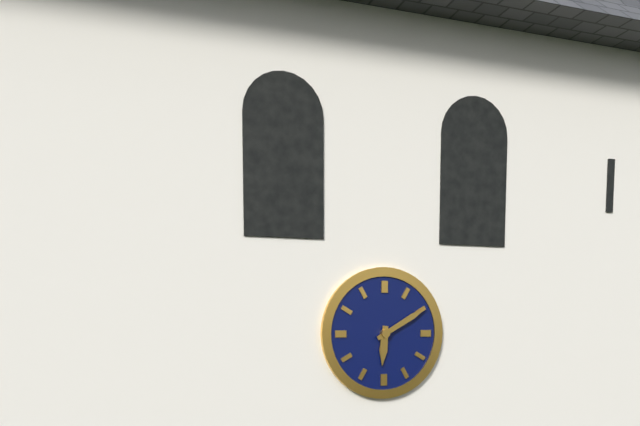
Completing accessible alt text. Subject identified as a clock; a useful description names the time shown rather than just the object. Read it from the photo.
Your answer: 6:10
